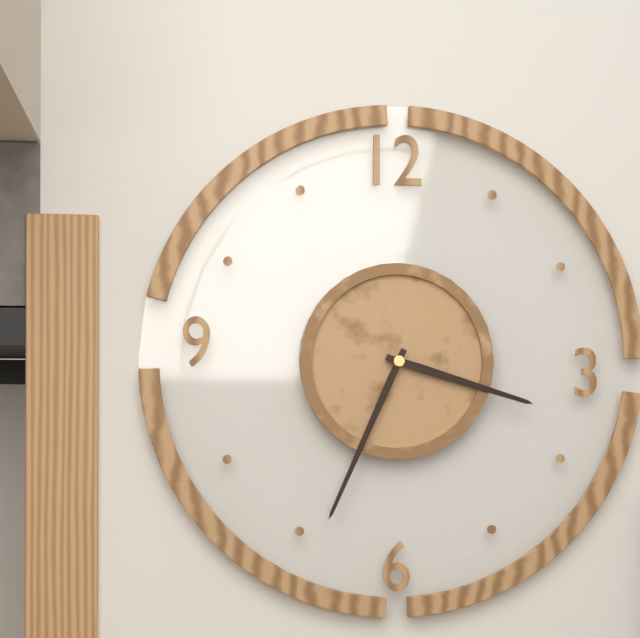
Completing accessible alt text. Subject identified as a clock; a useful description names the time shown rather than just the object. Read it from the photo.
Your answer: 3:34
